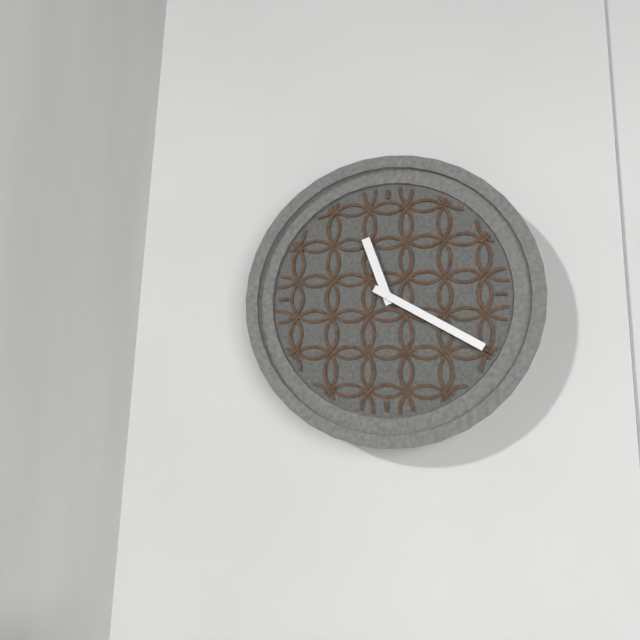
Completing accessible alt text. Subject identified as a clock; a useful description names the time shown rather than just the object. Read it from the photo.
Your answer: 11:20
